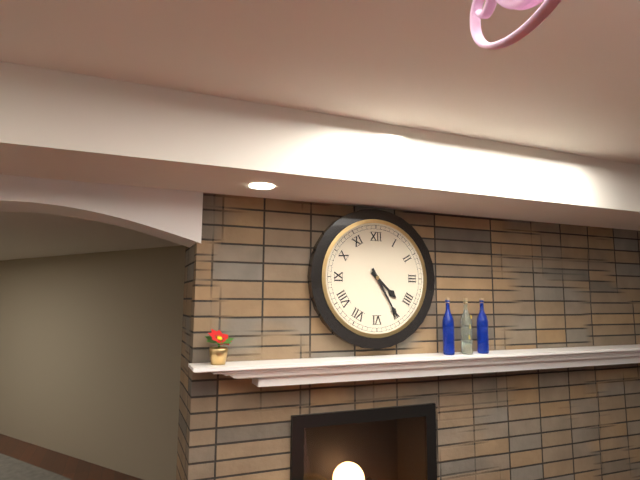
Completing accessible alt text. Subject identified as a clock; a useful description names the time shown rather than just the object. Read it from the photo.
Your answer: 4:25
